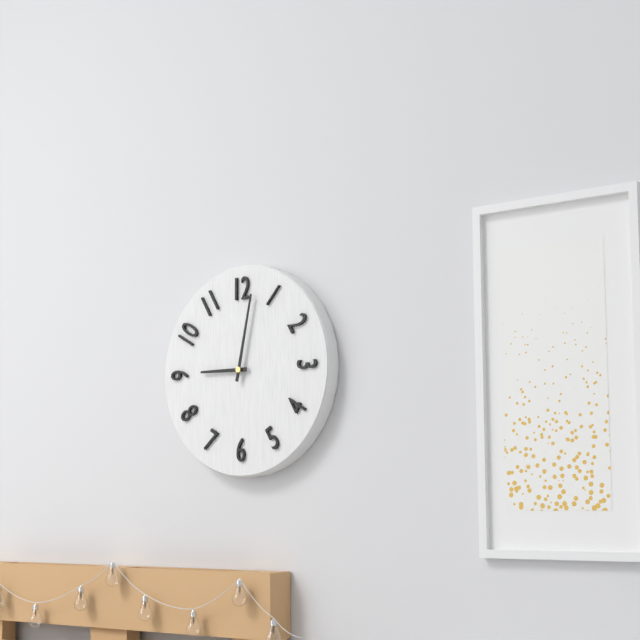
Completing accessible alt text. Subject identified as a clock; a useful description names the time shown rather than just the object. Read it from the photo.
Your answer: 9:02
